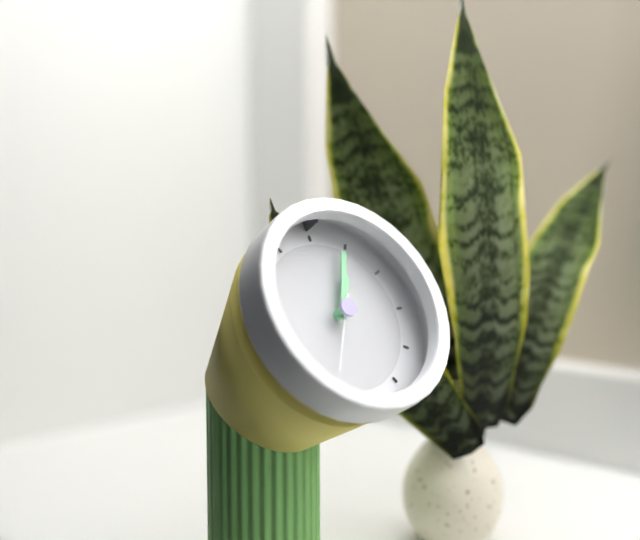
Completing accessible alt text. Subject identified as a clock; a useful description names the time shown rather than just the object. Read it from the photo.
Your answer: 1:04:35
